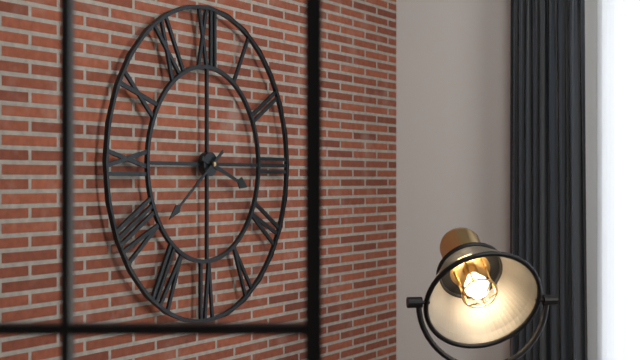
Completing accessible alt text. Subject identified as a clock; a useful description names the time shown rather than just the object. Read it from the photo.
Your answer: 3:39
